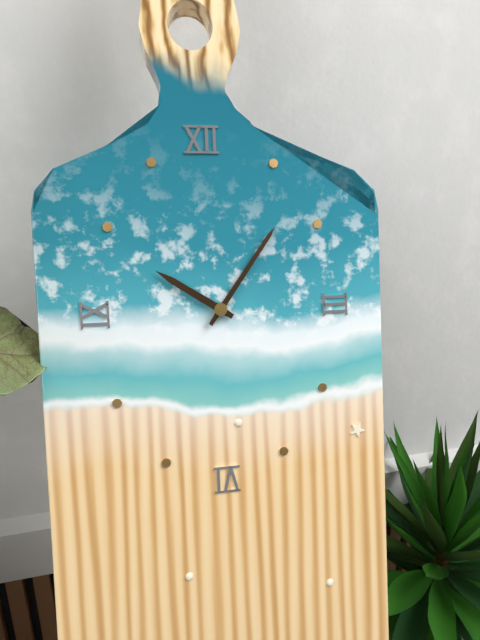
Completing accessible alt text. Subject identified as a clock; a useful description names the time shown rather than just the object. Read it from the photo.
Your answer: 10:06
